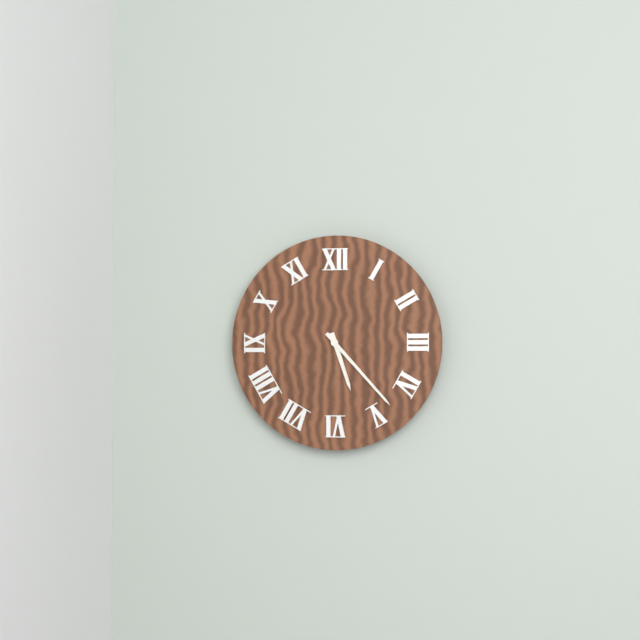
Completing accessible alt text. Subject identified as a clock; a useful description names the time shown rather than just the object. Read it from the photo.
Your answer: 5:23
